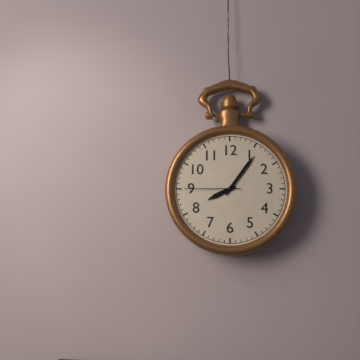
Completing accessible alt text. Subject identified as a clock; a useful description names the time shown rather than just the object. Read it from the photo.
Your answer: 8:06:45
